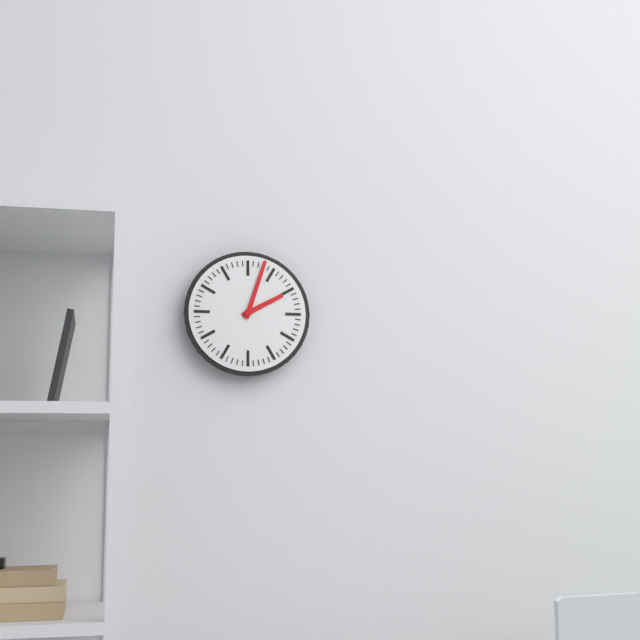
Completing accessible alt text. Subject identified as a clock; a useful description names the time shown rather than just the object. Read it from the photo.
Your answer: 2:03
